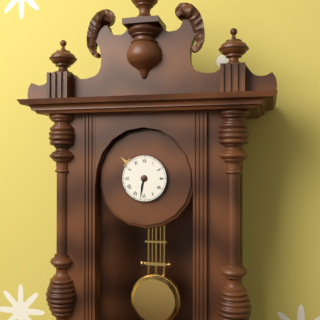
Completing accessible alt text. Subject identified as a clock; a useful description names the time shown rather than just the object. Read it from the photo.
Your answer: 6:32
